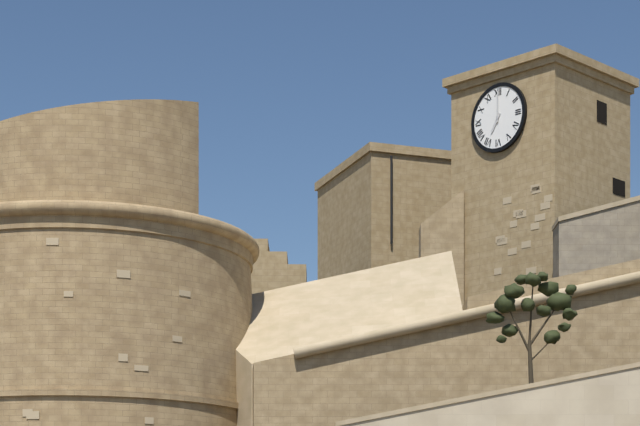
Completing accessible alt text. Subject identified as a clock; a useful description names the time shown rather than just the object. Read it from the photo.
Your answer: 7:00
